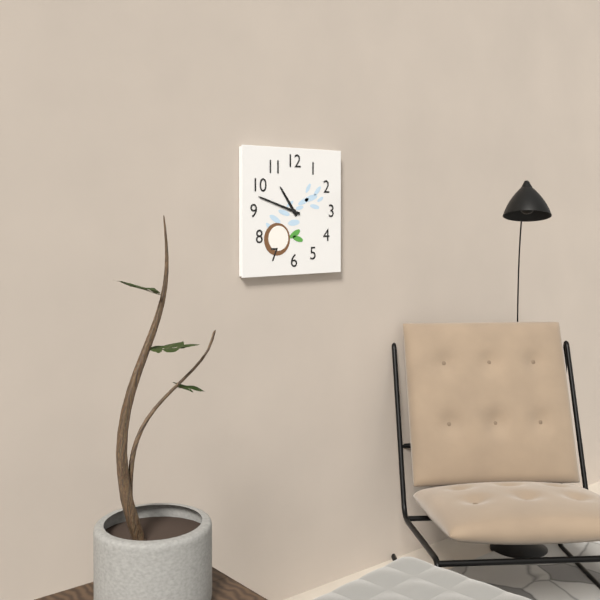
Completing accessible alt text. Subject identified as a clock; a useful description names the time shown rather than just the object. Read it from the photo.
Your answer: 10:48
